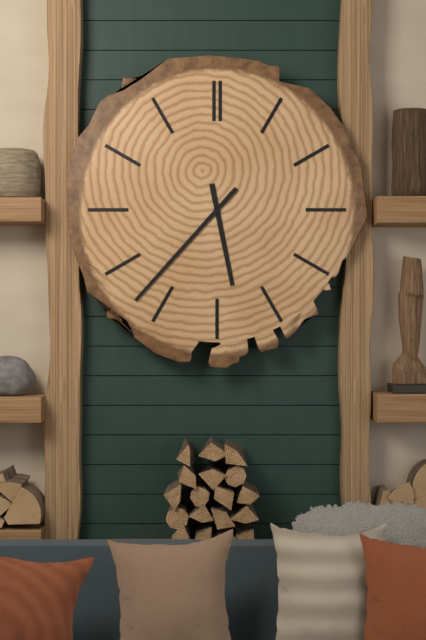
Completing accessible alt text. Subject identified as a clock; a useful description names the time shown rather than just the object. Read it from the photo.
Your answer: 5:37
